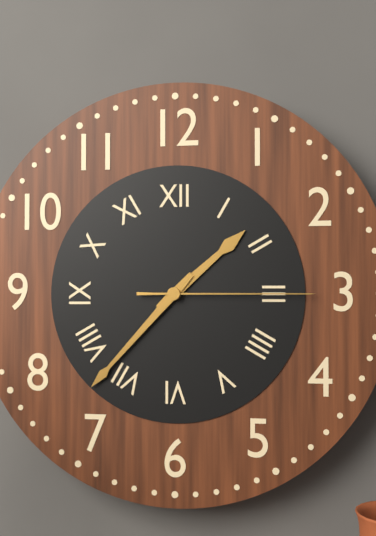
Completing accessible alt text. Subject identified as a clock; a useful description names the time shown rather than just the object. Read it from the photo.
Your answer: 1:37:15
